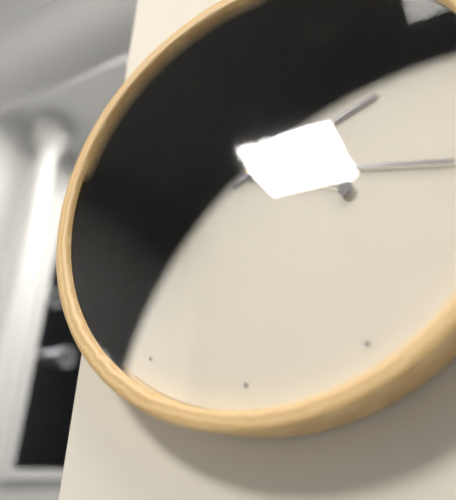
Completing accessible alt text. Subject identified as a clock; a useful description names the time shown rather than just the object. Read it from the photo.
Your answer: 2:17:49
